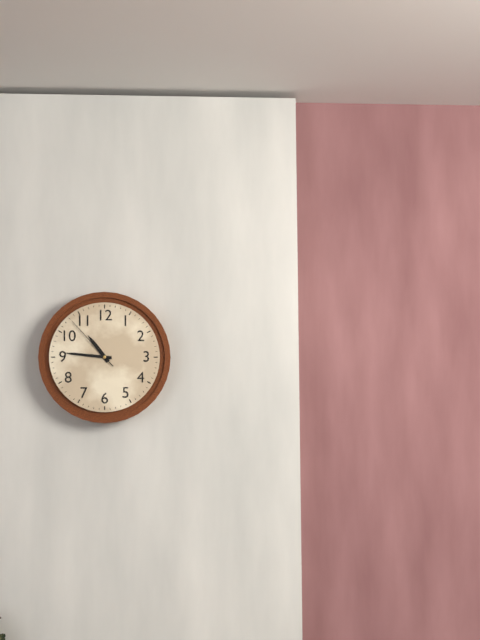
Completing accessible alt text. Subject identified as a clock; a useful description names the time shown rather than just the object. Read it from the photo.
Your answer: 10:46:53
